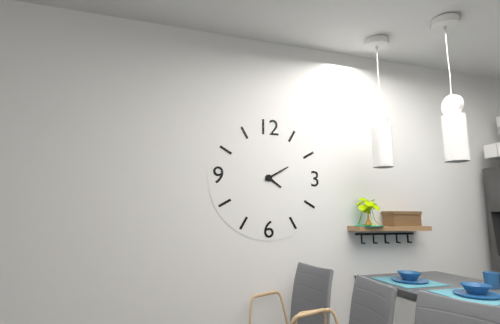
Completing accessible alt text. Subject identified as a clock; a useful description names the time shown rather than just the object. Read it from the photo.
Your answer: 4:10
